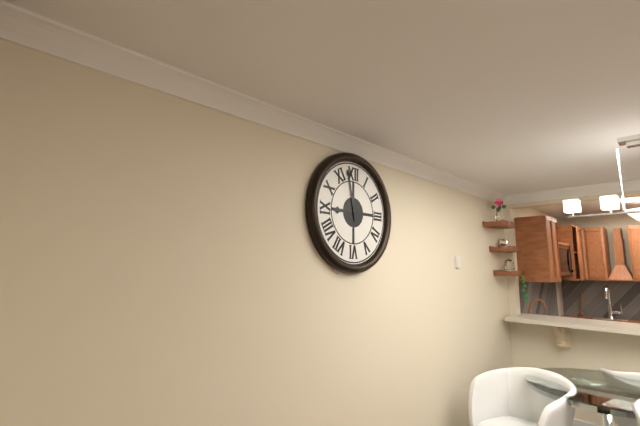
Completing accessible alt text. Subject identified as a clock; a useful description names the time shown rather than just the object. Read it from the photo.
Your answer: 8:58
